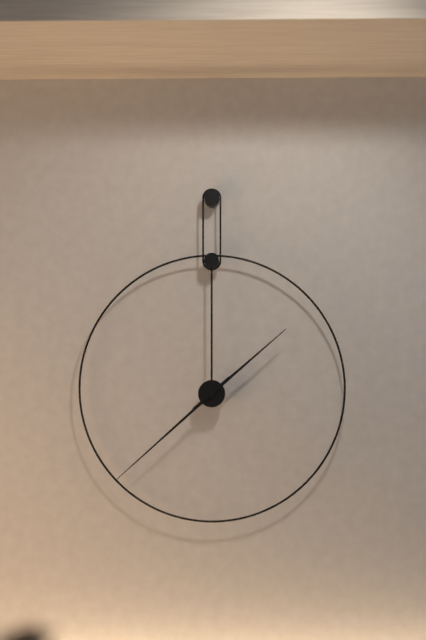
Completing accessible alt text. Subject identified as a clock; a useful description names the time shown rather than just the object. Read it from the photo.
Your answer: 1:38
